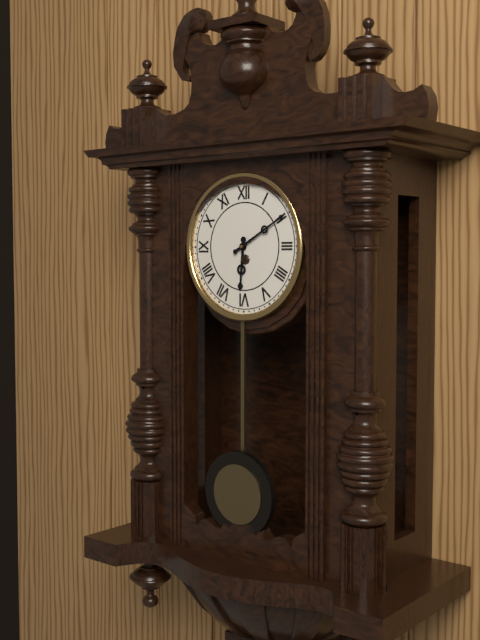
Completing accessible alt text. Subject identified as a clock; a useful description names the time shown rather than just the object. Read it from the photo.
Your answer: 6:10
